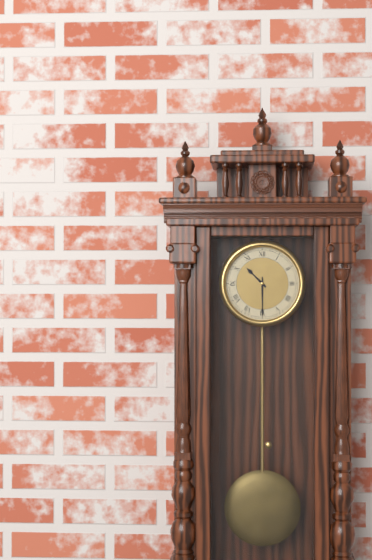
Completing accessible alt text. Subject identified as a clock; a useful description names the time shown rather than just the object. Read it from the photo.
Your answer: 10:30
